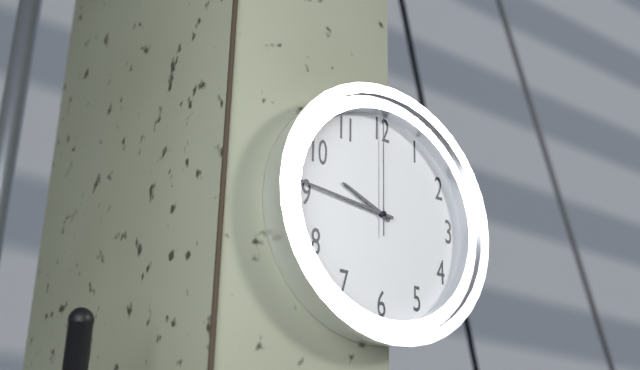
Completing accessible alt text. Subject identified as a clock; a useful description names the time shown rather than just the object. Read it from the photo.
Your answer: 9:46:00
